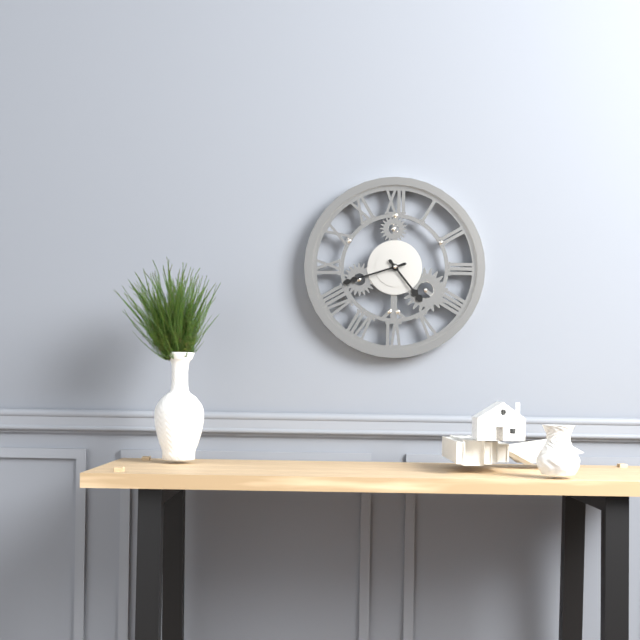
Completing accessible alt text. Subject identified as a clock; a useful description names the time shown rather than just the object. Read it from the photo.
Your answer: 4:42
